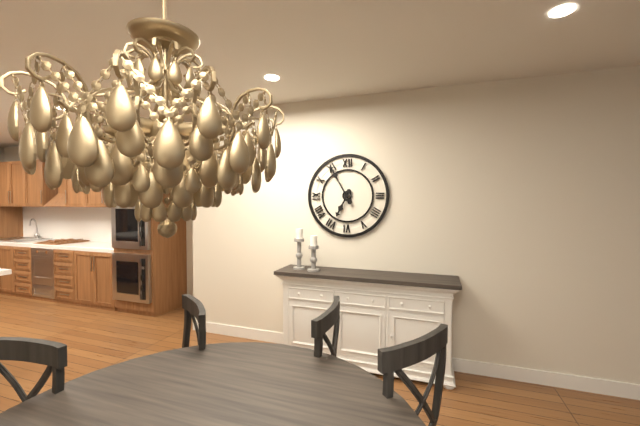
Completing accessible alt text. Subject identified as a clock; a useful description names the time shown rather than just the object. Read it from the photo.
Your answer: 6:55
